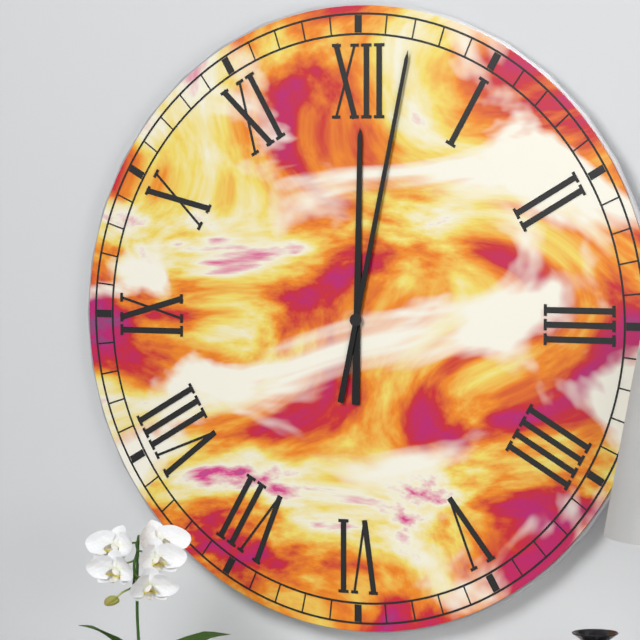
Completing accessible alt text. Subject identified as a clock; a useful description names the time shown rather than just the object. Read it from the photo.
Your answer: 12:02
